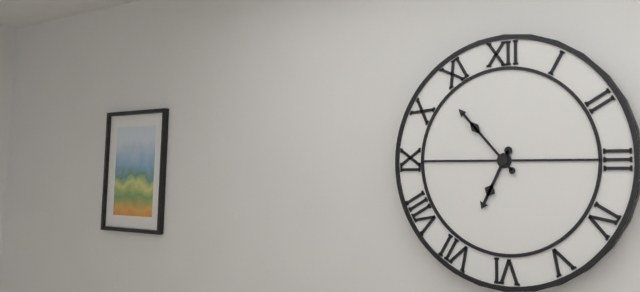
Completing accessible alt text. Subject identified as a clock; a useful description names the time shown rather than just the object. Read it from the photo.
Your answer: 6:53
